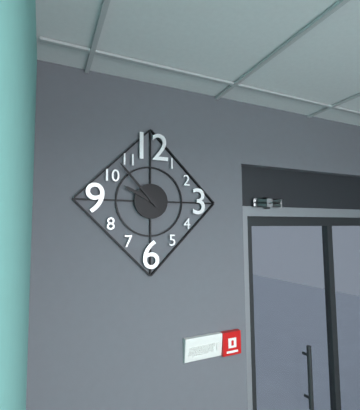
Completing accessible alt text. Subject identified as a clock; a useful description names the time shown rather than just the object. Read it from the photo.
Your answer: 9:53
